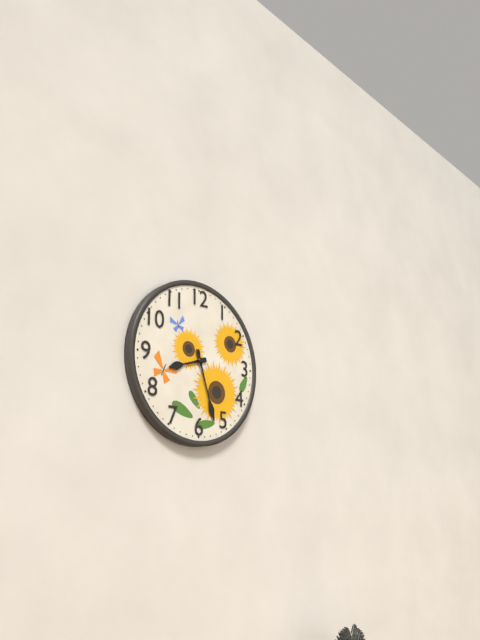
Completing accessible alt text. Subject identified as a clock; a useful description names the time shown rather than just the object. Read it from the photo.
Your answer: 8:27
